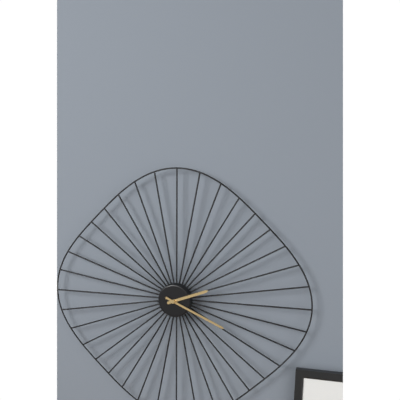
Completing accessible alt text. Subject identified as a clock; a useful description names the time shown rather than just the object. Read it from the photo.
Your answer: 2:19
